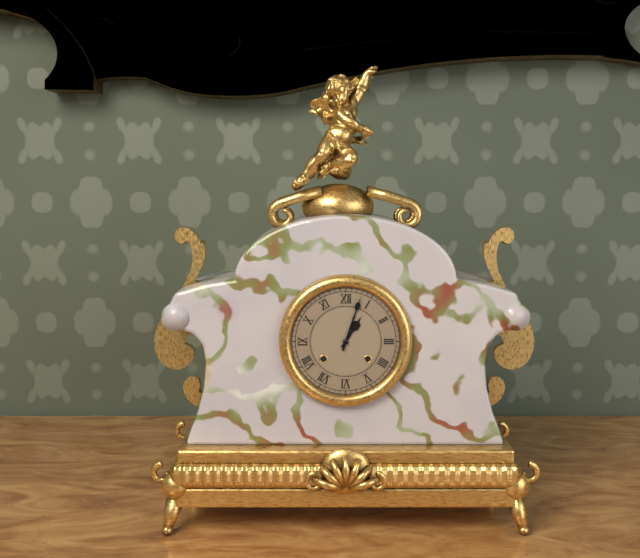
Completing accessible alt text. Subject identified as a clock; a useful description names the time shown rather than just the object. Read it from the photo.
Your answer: 1:03
